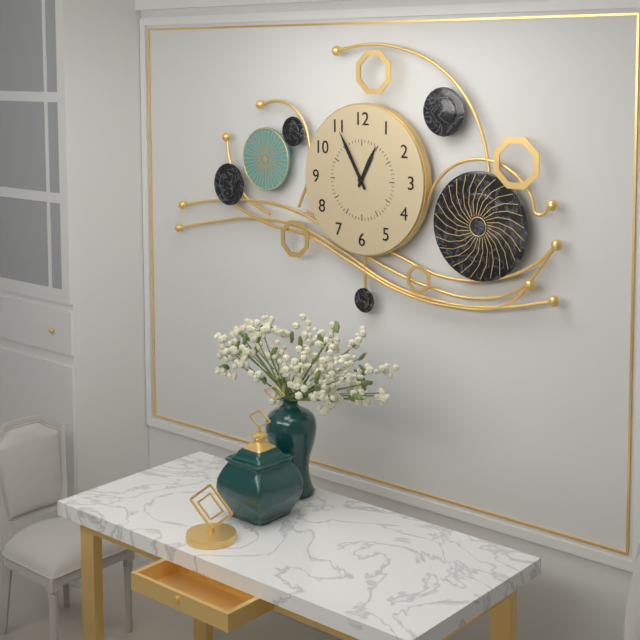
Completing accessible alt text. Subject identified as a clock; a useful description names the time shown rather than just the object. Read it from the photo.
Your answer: 12:55
